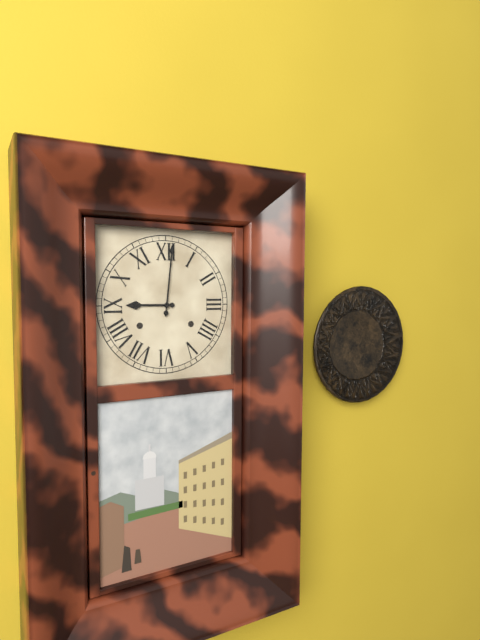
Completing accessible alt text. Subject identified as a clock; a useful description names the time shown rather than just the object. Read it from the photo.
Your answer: 9:01
